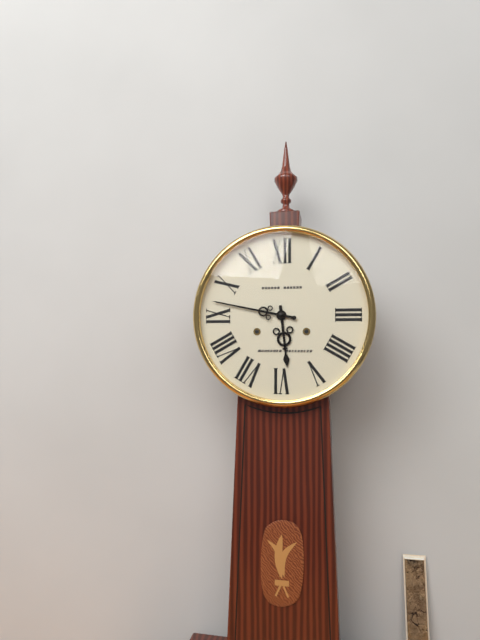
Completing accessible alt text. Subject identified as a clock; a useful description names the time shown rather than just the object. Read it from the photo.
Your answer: 5:47
